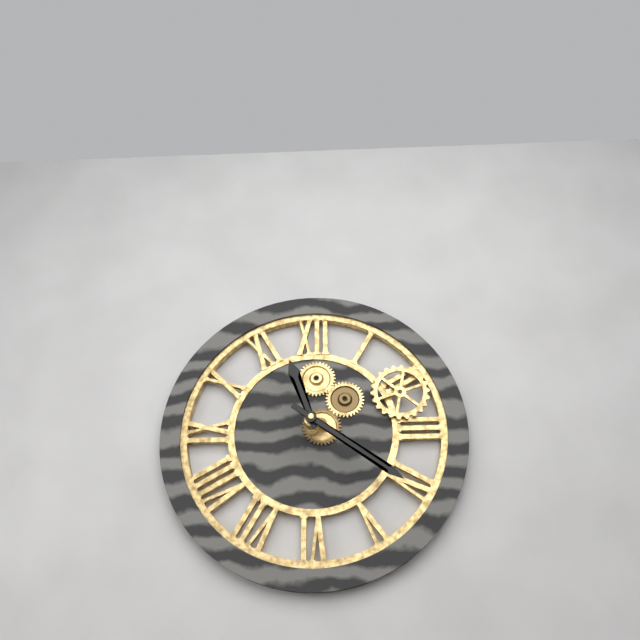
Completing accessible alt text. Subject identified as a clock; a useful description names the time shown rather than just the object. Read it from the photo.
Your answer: 11:21
